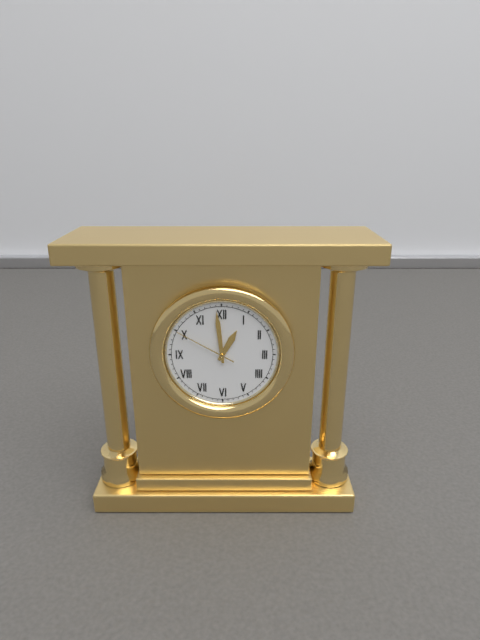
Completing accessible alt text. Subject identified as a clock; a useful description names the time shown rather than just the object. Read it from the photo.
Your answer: 12:59:50
